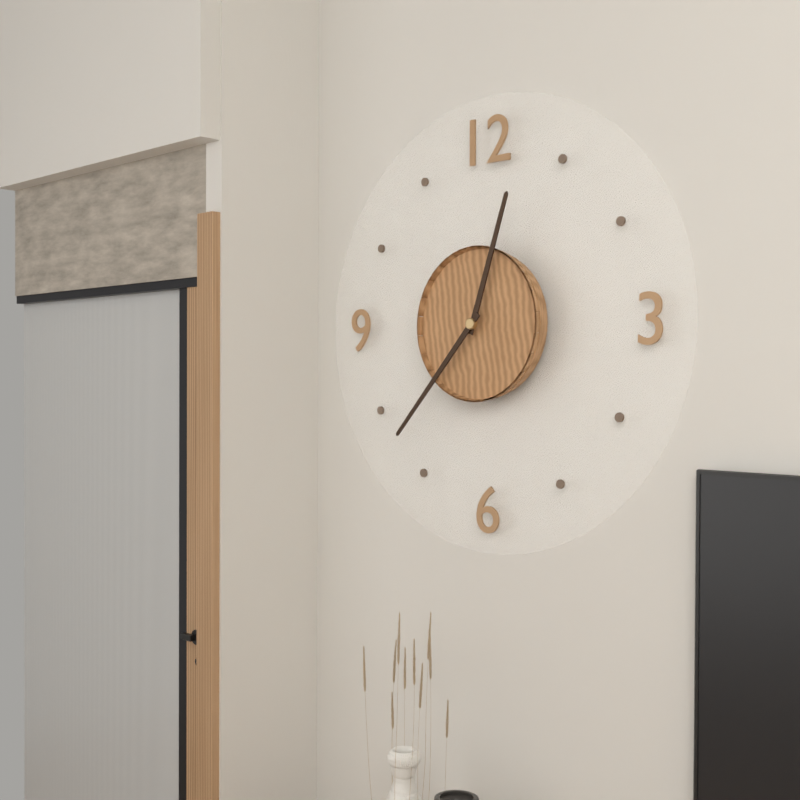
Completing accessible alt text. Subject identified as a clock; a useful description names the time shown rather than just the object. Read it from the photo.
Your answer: 12:37
